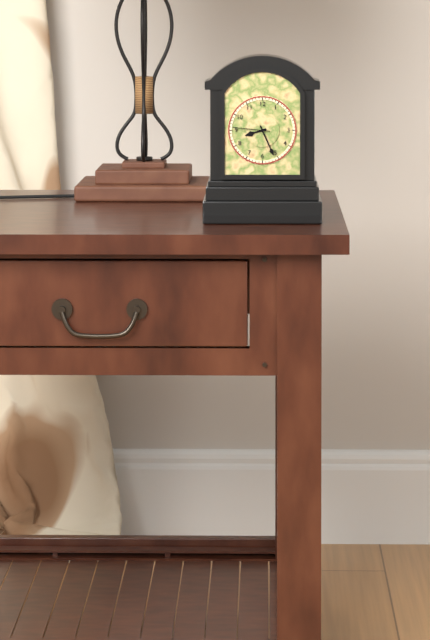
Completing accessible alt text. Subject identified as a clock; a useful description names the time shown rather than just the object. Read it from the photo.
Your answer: 8:26
